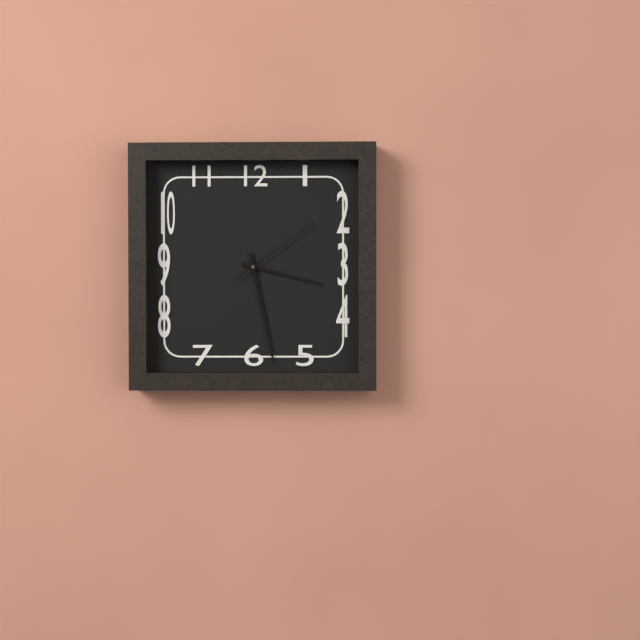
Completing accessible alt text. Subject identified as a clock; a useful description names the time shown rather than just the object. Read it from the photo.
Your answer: 3:28:09
